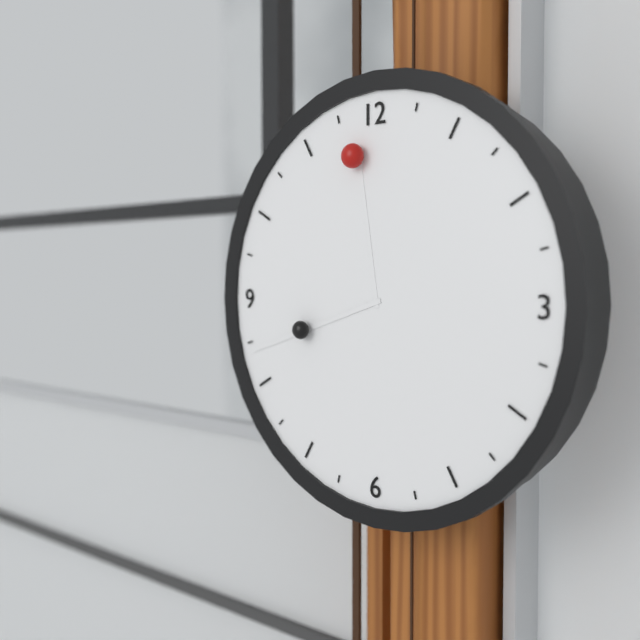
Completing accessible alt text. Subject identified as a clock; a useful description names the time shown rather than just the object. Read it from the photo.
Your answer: 11:42
